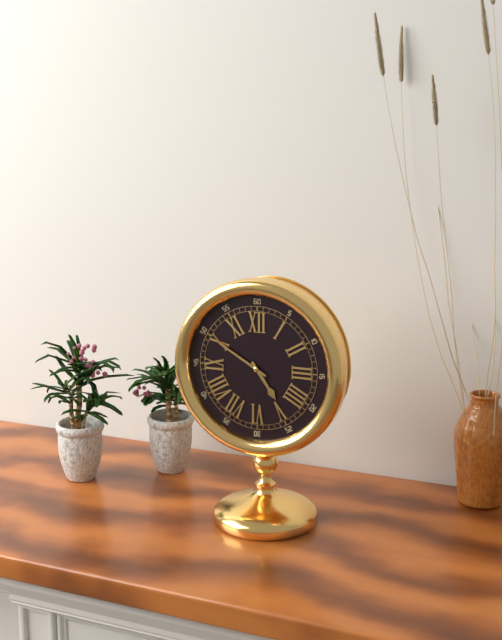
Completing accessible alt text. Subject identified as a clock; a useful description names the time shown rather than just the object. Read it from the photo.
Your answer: 4:50
